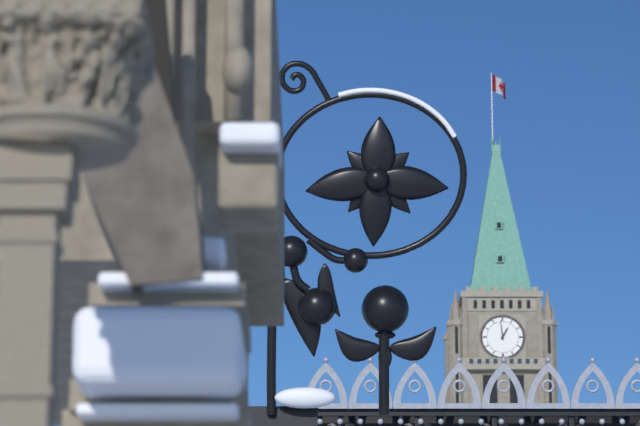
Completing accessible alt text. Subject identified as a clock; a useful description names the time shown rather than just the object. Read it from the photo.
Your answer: 12:59
